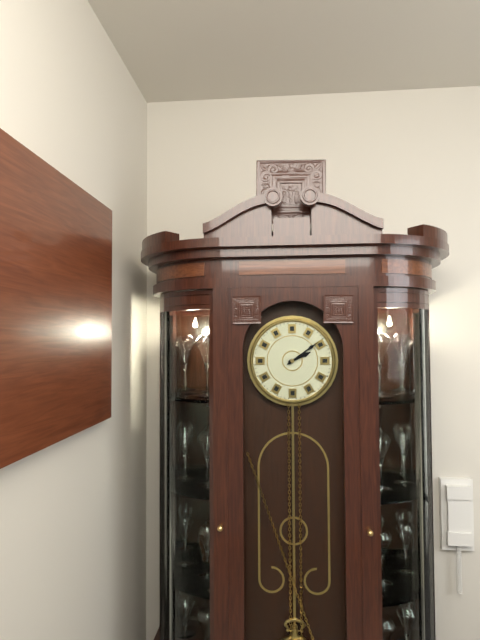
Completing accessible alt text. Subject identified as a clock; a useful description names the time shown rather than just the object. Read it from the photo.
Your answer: 2:09
